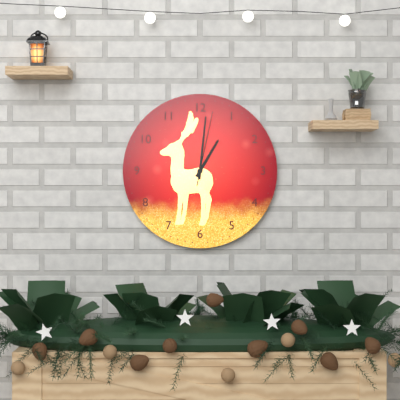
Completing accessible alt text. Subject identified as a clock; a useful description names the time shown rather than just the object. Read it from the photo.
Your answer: 1:01:02
